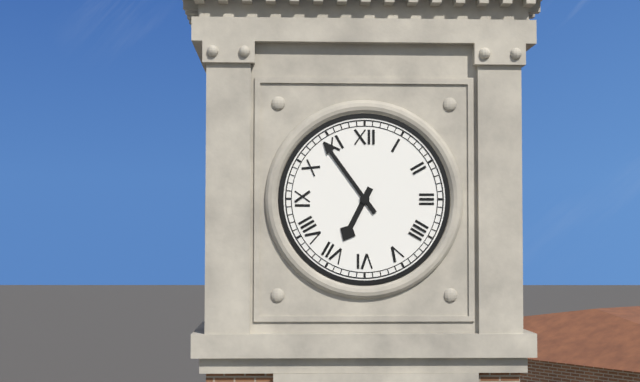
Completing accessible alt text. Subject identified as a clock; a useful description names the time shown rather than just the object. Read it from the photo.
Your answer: 6:54
